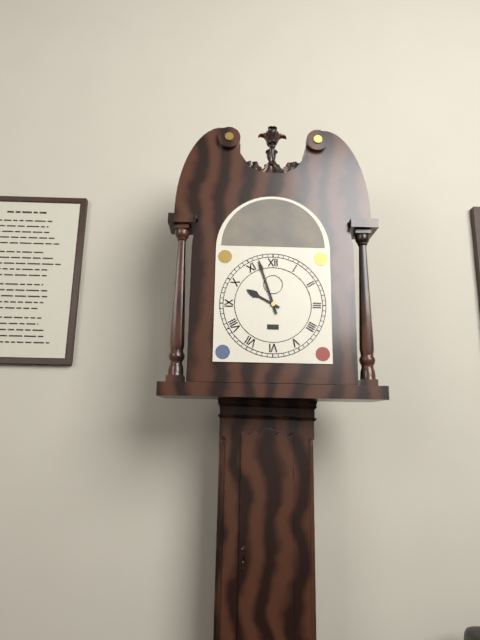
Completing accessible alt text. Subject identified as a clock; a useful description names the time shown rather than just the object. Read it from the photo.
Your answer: 9:57
